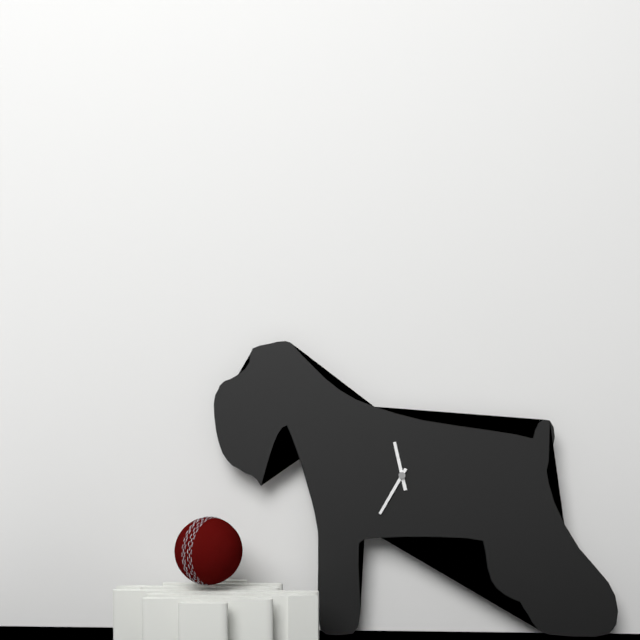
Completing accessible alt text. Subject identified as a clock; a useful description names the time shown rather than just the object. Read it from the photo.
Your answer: 11:35
